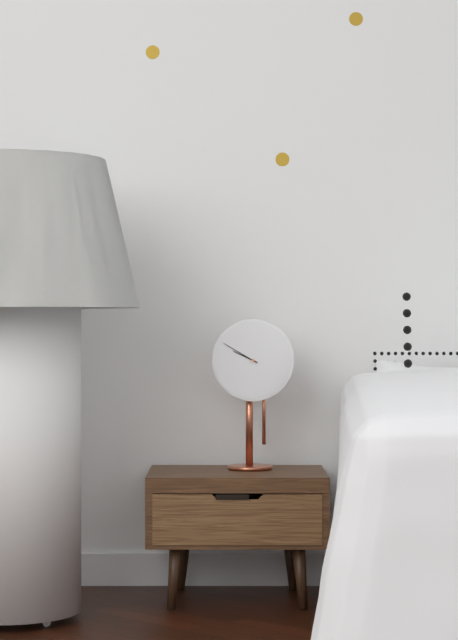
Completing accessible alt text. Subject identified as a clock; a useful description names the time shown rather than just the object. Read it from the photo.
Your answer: 9:50
